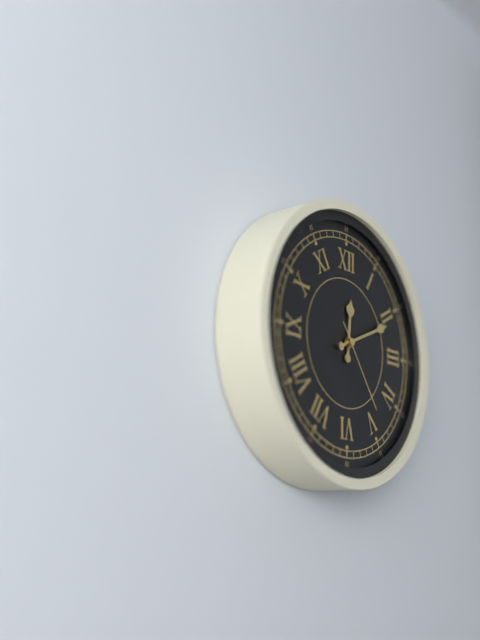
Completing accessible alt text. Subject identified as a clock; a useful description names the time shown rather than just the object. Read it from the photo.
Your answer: 12:11:24
